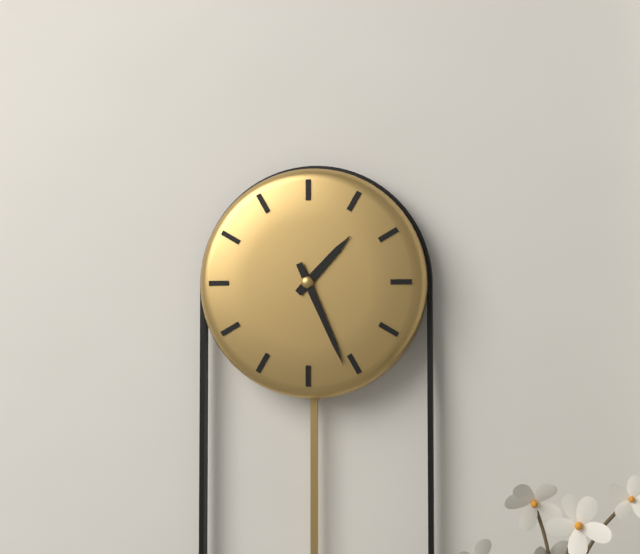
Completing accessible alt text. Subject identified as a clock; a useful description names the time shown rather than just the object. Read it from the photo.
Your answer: 1:26
